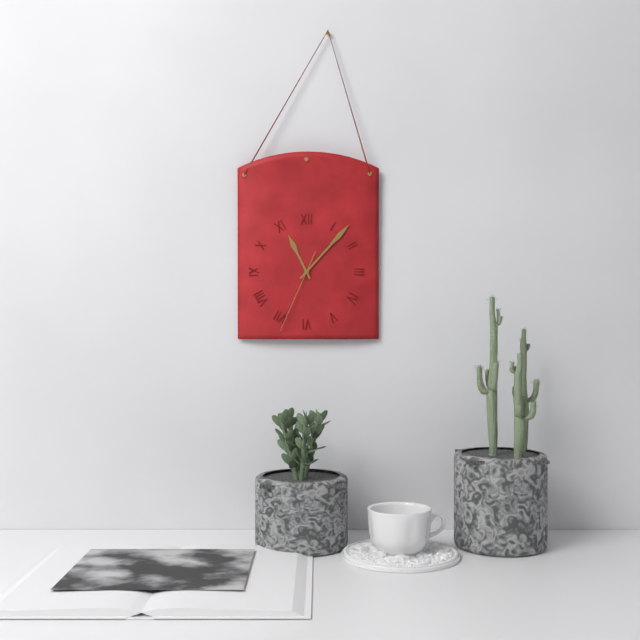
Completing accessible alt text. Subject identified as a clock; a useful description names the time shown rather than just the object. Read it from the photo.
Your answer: 11:07:34
